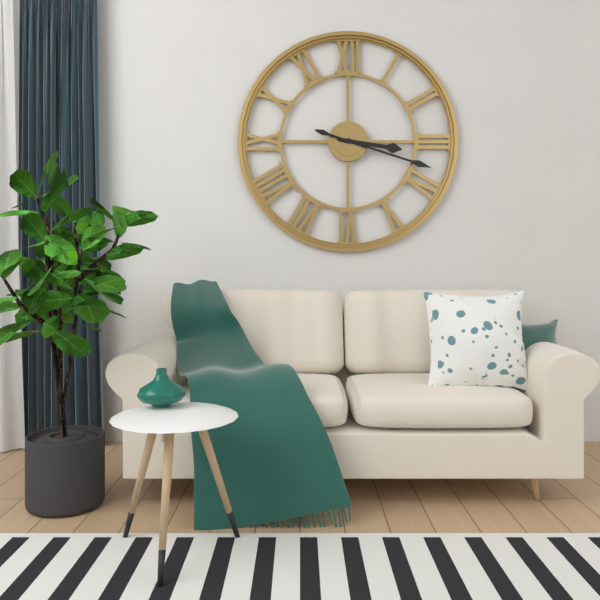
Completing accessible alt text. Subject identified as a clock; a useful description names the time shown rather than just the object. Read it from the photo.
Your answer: 3:18
